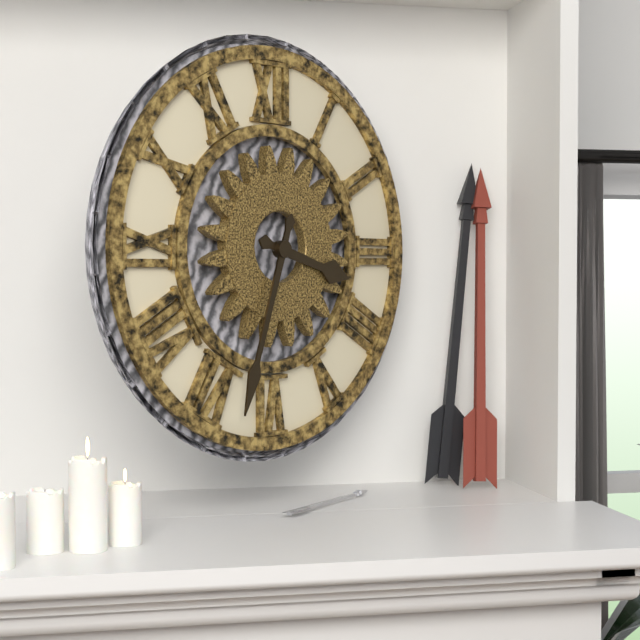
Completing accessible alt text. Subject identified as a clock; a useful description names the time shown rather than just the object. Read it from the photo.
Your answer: 3:33
